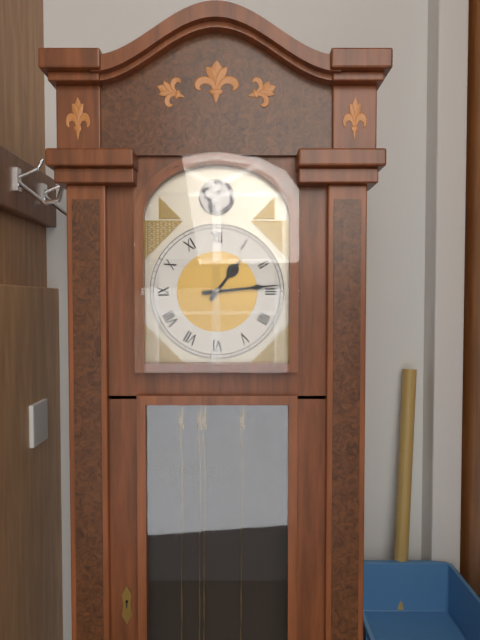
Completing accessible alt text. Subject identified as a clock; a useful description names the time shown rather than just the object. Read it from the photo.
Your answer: 1:14
